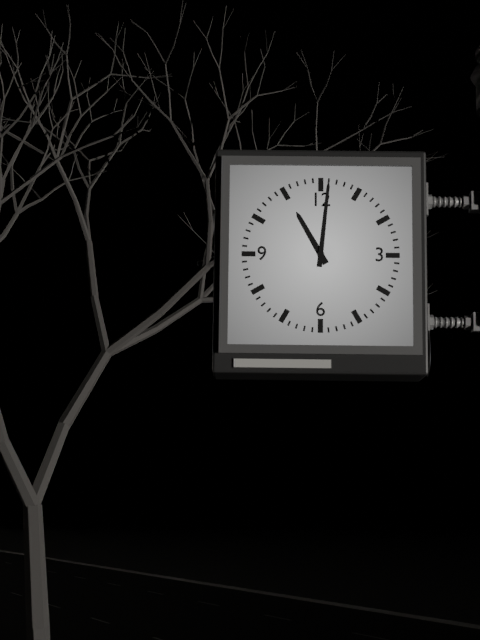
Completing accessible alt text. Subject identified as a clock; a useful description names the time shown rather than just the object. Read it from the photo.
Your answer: 11:01
